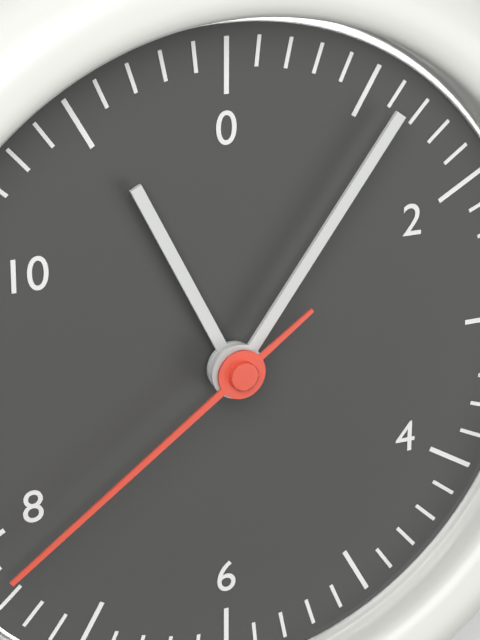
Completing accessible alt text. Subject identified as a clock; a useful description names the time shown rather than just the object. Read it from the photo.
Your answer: 11:06:39
